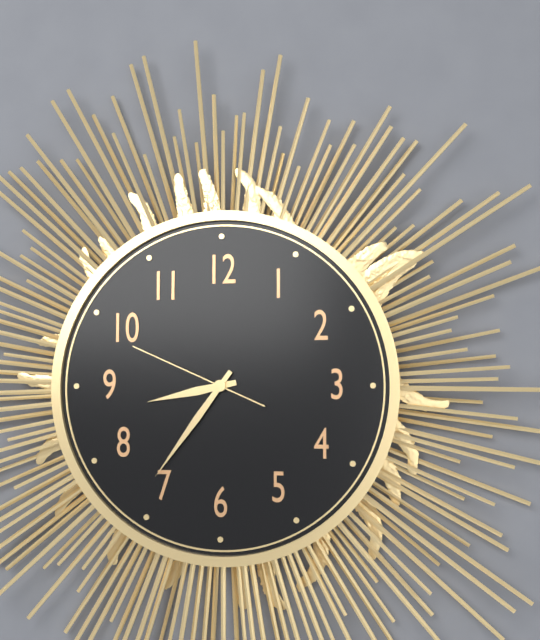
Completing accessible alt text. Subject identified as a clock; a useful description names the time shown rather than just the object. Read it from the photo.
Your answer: 8:36:49
